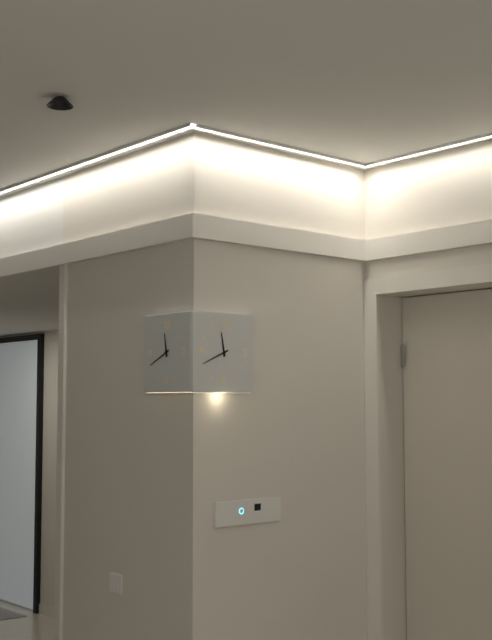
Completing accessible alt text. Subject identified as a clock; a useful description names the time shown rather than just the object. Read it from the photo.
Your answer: 11:41
